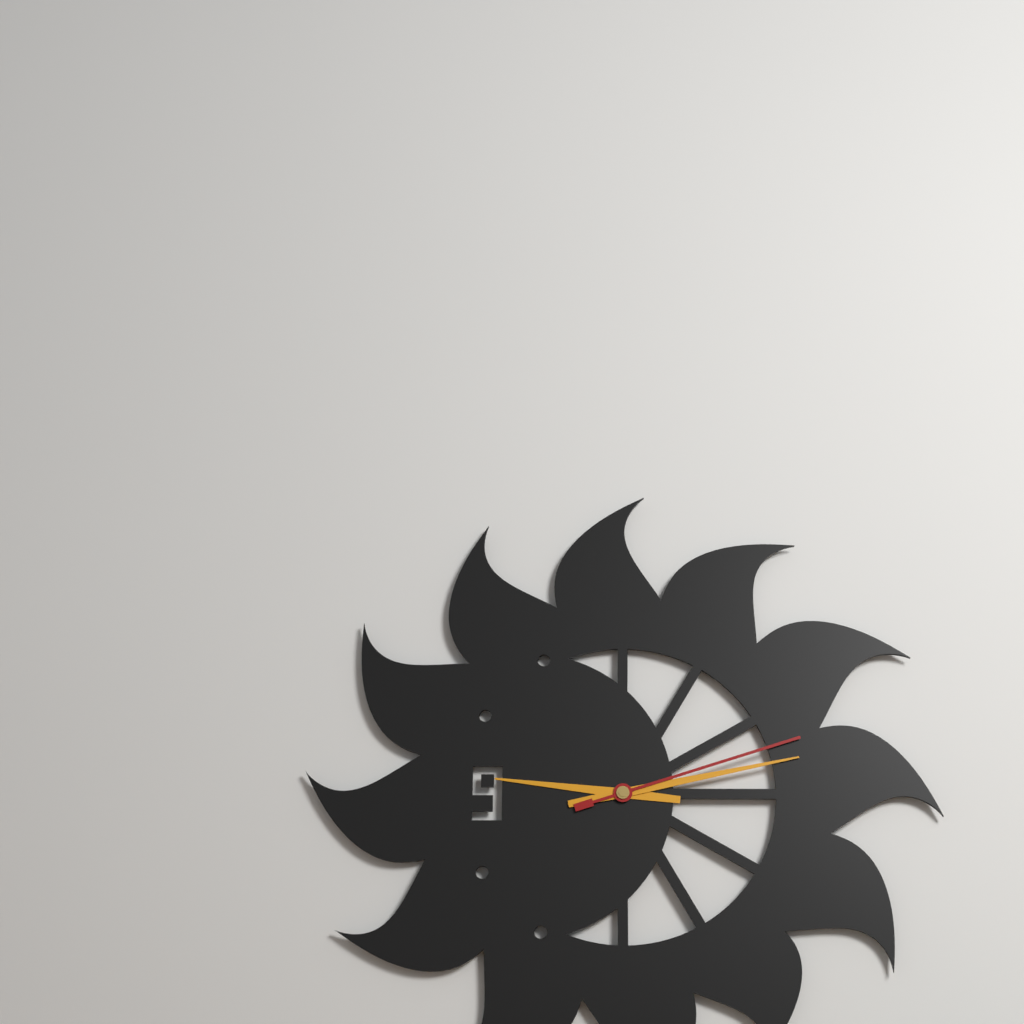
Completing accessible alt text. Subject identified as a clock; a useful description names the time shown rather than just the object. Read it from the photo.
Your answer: 9:13:12
